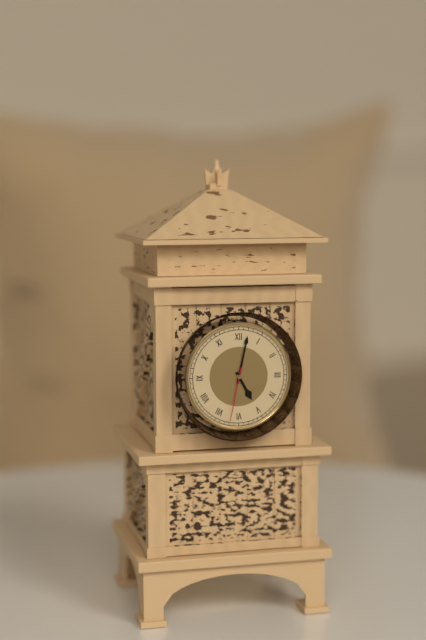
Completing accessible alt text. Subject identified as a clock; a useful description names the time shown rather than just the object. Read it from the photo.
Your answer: 5:02:32
